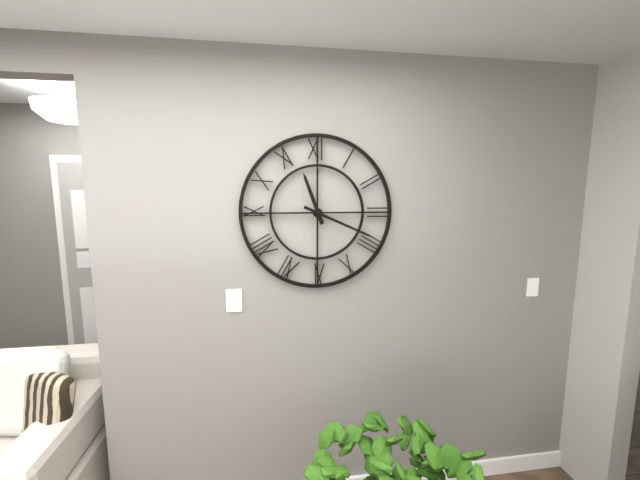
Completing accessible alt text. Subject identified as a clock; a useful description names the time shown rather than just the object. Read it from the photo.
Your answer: 11:19
